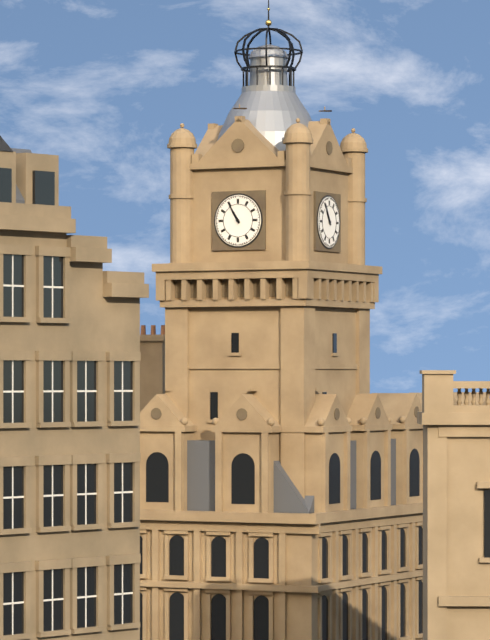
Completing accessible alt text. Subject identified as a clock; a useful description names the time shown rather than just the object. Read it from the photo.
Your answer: 10:55
